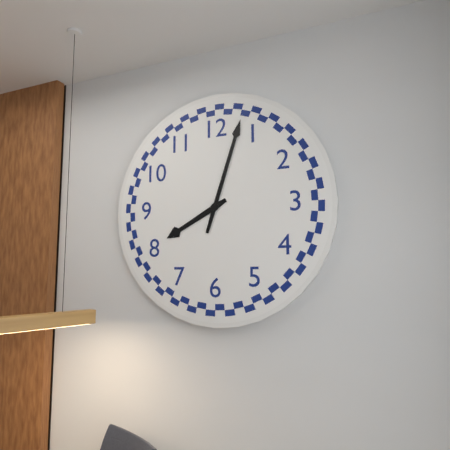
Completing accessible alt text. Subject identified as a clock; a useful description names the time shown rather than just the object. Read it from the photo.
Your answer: 8:03
